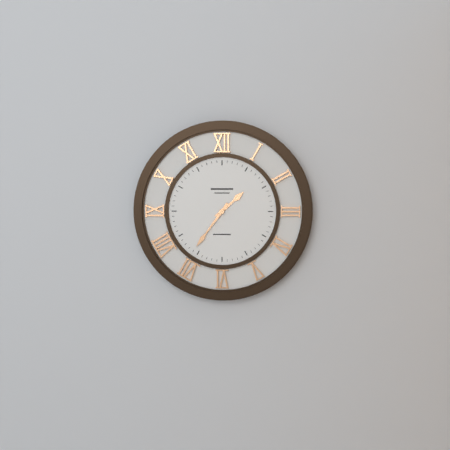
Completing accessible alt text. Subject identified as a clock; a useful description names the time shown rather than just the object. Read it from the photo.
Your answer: 1:36
